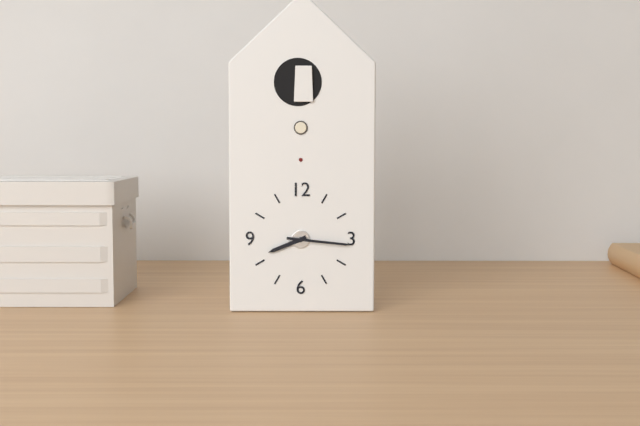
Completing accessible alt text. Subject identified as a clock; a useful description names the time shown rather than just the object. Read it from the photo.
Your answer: 8:16
